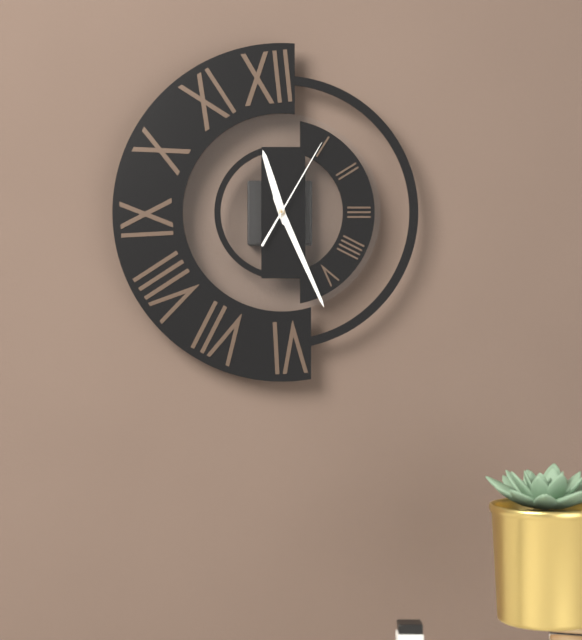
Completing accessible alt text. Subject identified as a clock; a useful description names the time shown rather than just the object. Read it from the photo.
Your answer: 11:26:05
